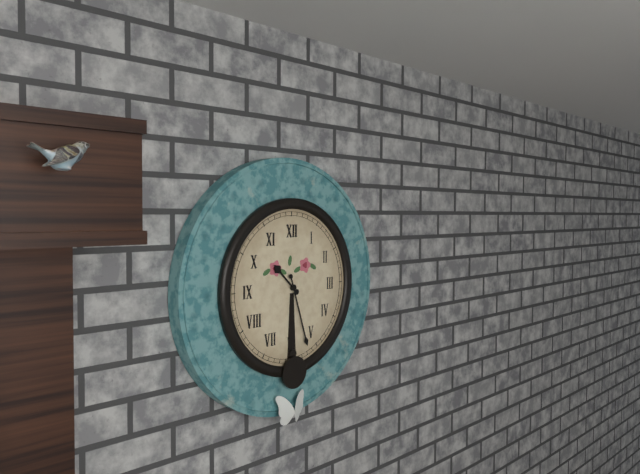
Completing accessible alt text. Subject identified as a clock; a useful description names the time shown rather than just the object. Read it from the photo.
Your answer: 10:27
